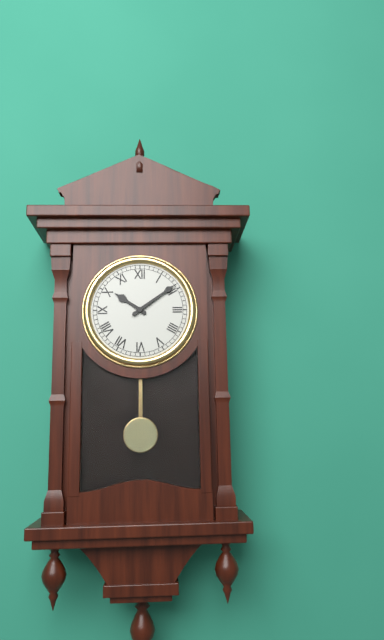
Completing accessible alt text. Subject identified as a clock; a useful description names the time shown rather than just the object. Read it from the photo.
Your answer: 10:09
